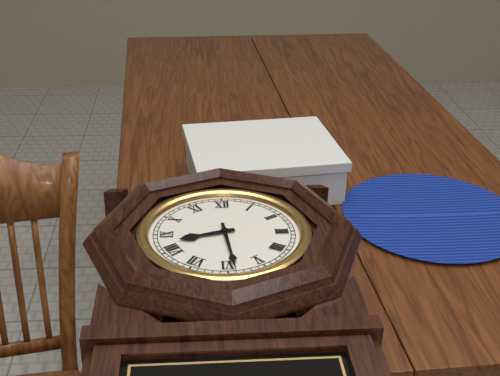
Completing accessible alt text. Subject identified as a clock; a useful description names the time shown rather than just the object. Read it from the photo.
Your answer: 8:29
